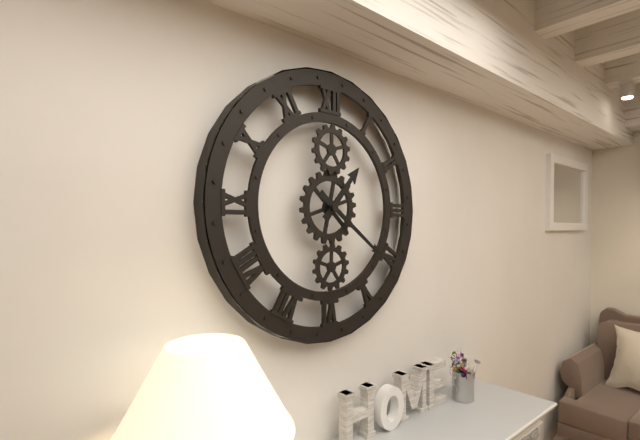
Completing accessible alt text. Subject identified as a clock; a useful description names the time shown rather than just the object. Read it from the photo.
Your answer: 1:21
